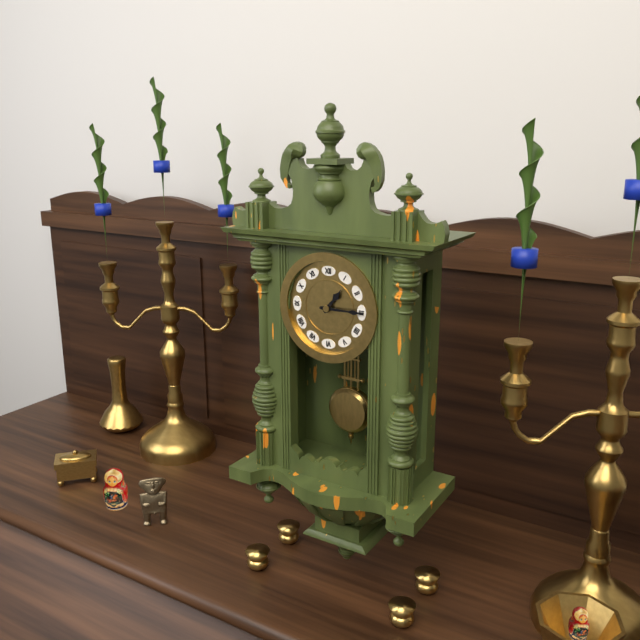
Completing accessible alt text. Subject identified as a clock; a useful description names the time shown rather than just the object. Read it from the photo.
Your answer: 1:15
